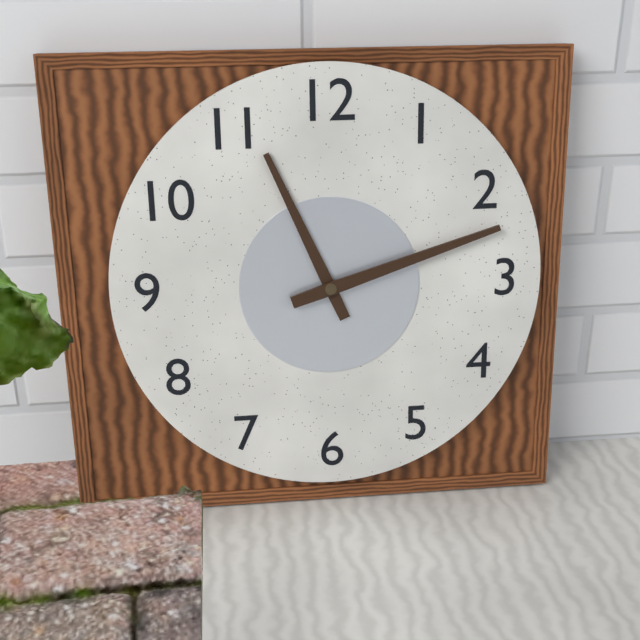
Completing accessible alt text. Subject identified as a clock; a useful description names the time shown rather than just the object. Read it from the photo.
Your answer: 11:12
